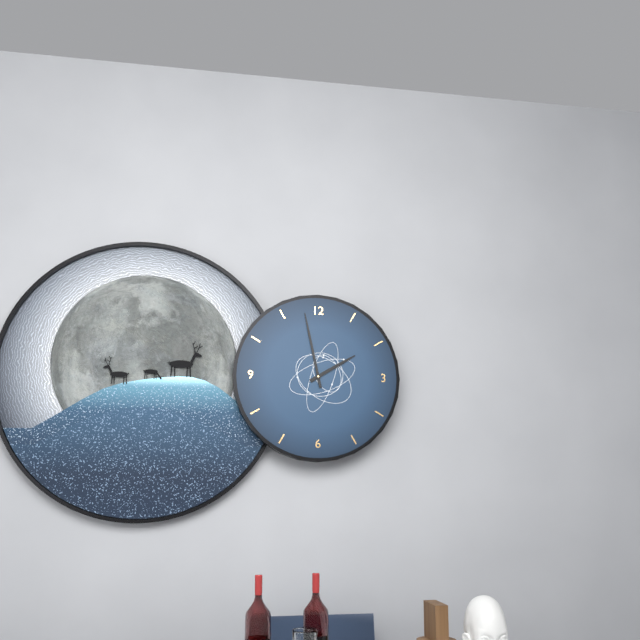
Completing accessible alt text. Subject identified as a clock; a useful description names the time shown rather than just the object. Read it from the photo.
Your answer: 1:58
